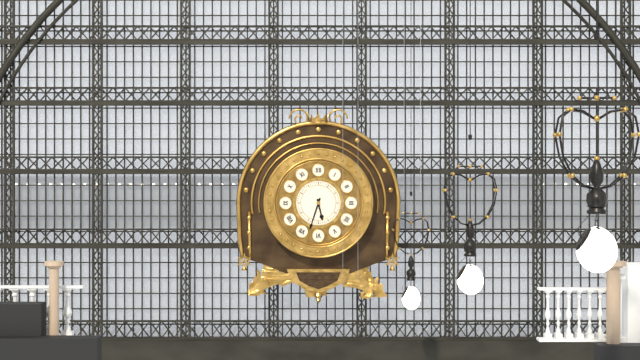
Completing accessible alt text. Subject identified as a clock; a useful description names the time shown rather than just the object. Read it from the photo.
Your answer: 5:33
